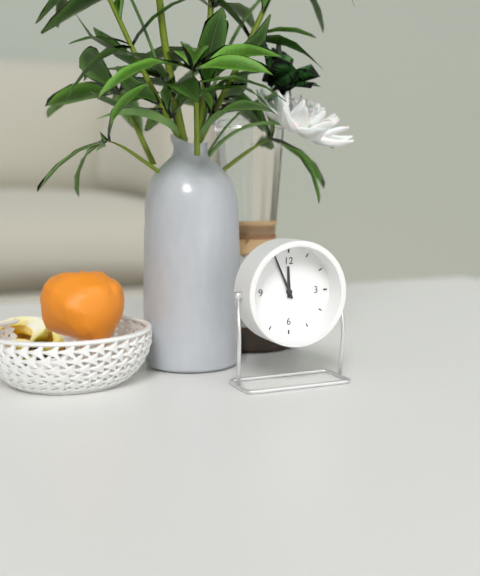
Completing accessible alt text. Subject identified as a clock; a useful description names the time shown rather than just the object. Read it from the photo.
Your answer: 11:56
